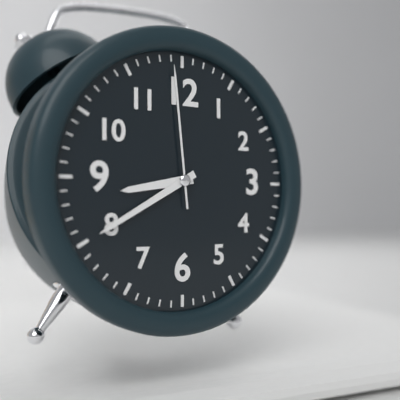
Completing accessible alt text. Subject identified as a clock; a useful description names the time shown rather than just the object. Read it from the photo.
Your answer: 8:40:59
